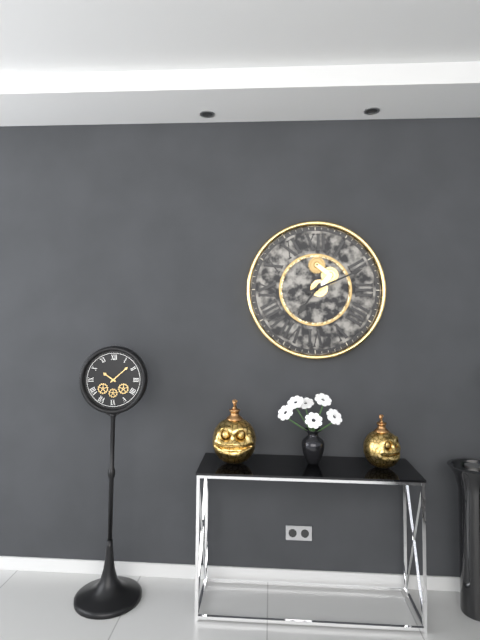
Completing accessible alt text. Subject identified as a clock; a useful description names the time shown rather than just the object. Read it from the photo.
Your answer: 7:11
